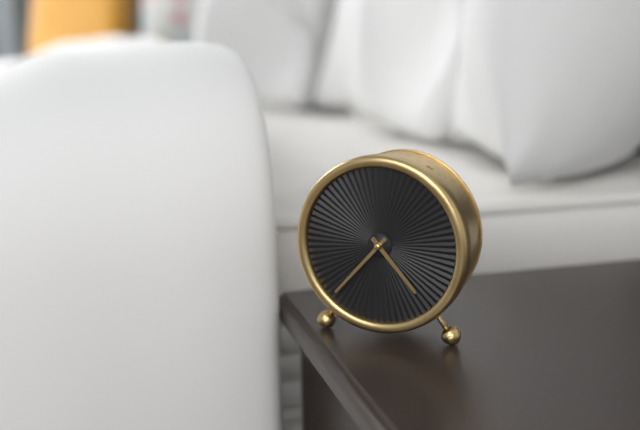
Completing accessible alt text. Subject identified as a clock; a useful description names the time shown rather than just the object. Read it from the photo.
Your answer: 4:37
